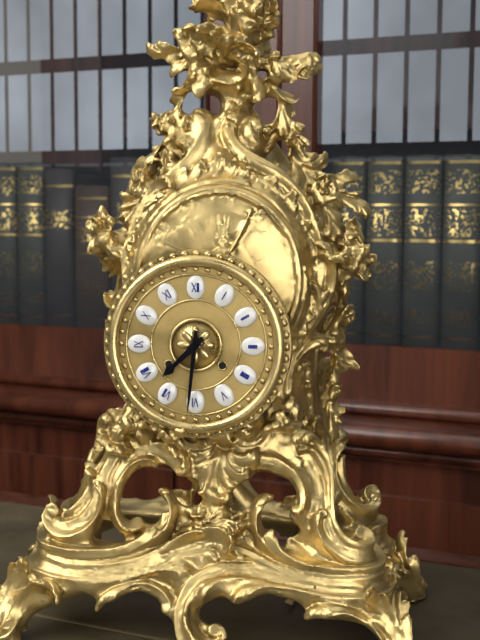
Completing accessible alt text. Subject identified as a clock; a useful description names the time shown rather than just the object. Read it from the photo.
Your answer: 7:31
